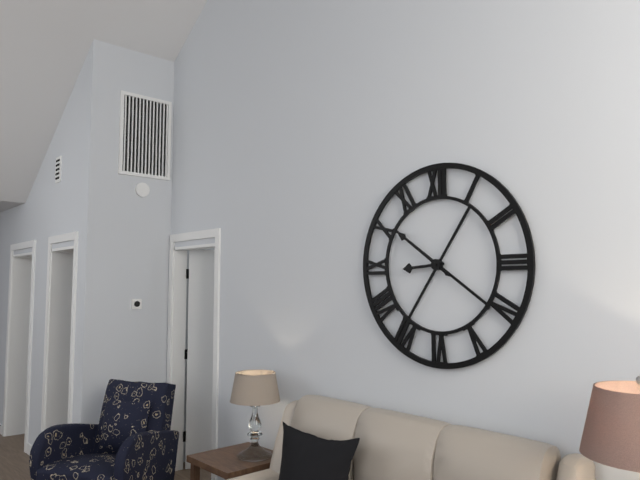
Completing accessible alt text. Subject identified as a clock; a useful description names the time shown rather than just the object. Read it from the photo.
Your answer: 8:51
